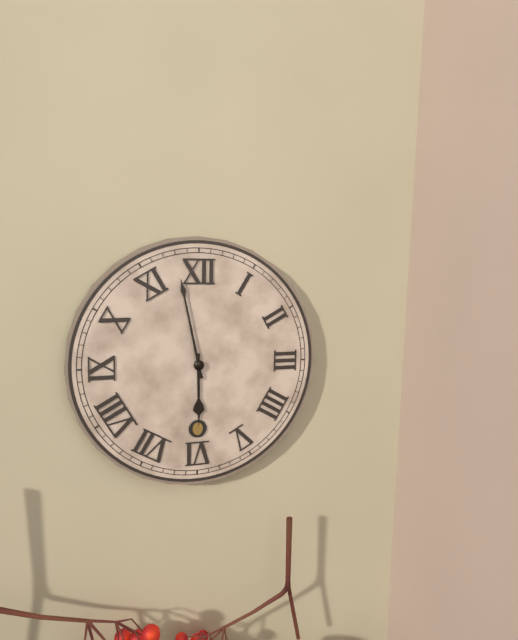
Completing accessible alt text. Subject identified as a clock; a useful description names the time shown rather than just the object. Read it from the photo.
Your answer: 5:58
